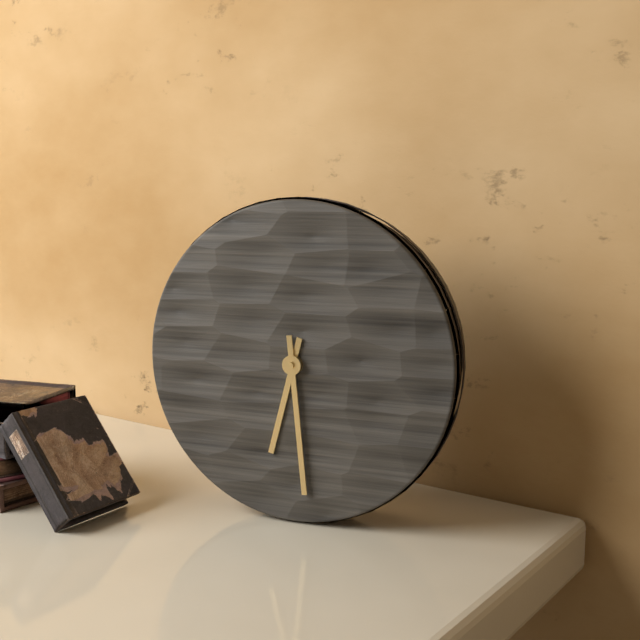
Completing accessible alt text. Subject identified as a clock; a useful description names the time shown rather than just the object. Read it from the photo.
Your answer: 6:29
